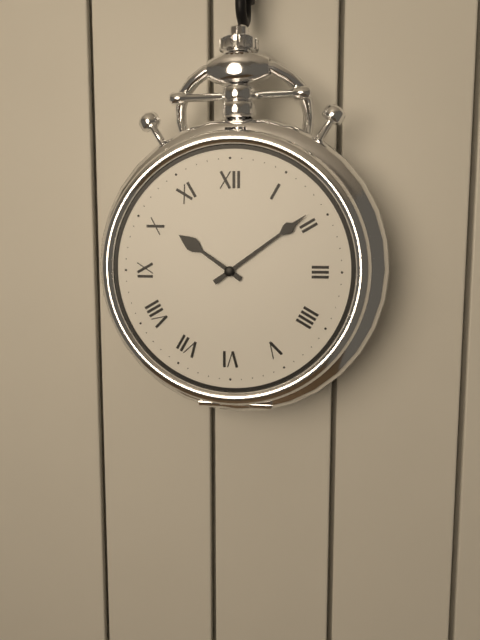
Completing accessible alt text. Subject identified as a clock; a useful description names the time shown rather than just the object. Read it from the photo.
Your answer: 10:09
